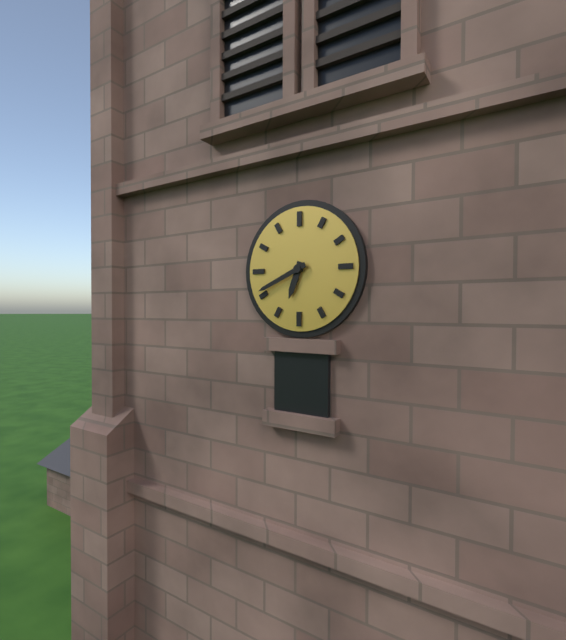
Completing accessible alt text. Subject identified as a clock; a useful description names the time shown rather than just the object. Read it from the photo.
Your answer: 6:41
